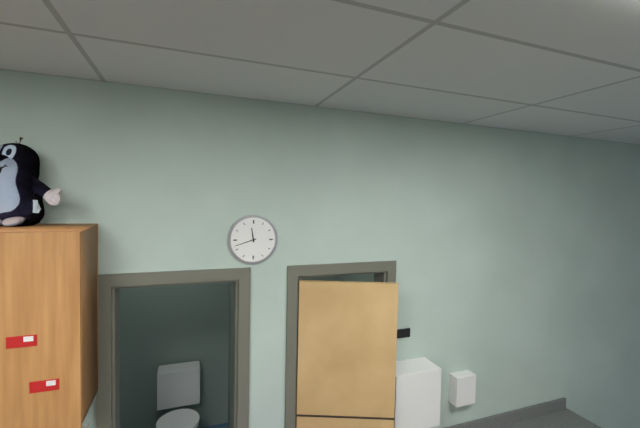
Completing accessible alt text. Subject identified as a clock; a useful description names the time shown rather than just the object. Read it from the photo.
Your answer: 11:42
